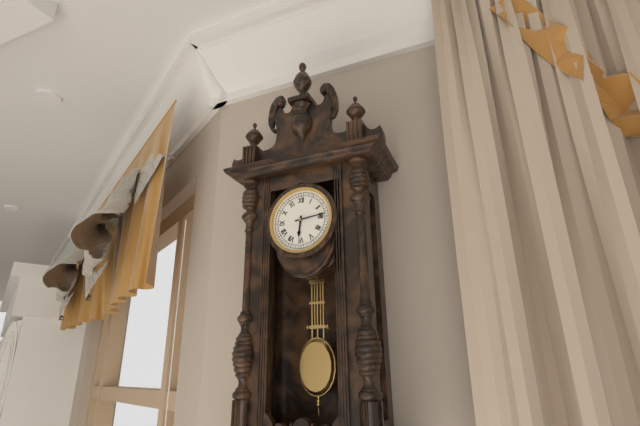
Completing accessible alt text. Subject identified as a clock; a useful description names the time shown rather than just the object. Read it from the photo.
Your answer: 6:14
